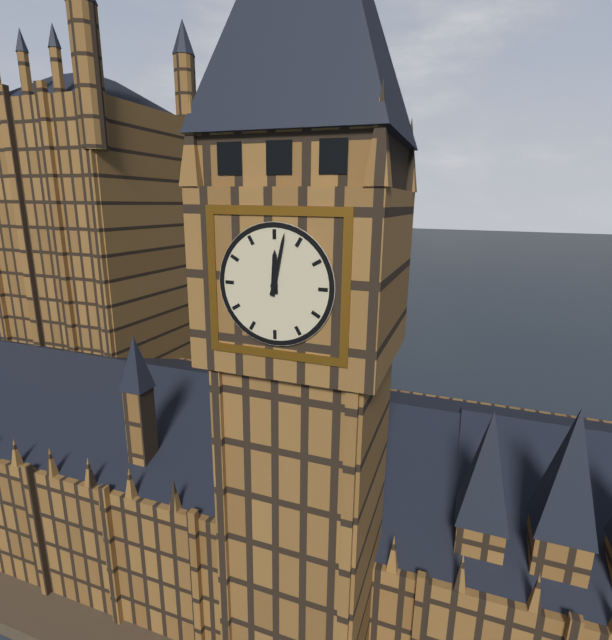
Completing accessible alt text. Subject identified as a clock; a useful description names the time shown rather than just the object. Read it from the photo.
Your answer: 12:02
